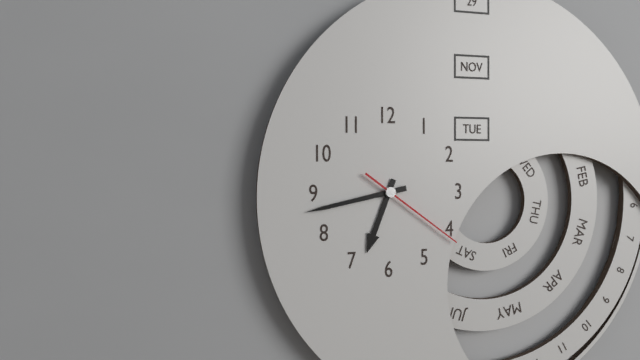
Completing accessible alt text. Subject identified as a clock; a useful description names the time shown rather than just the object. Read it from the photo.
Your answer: 6:43:21
